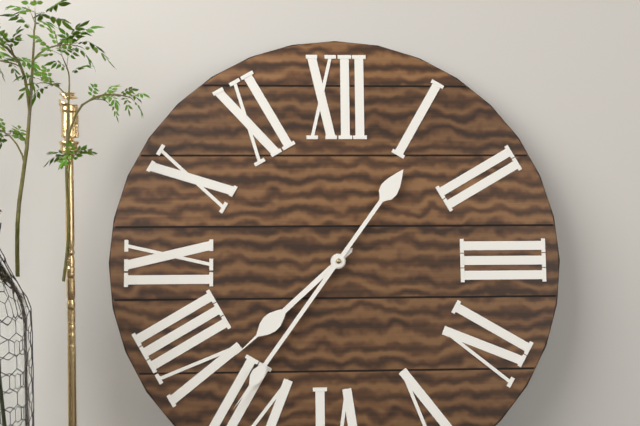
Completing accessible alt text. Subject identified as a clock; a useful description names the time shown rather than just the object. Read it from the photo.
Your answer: 7:36
